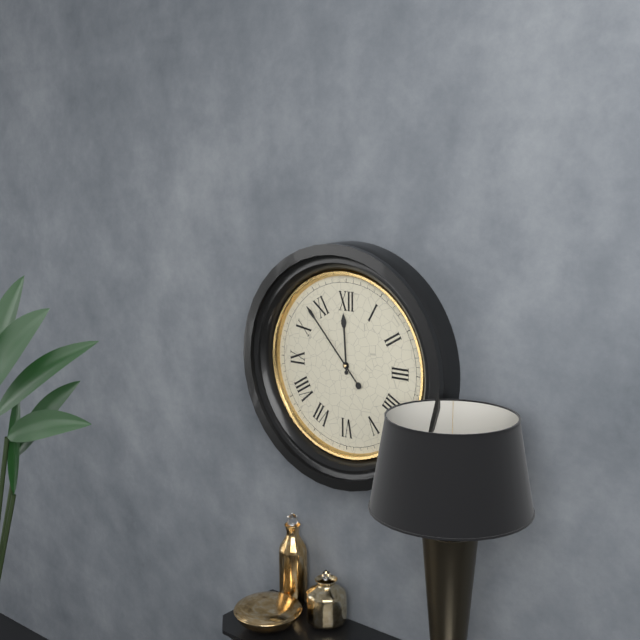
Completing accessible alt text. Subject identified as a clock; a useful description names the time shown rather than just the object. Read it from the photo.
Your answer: 11:53
